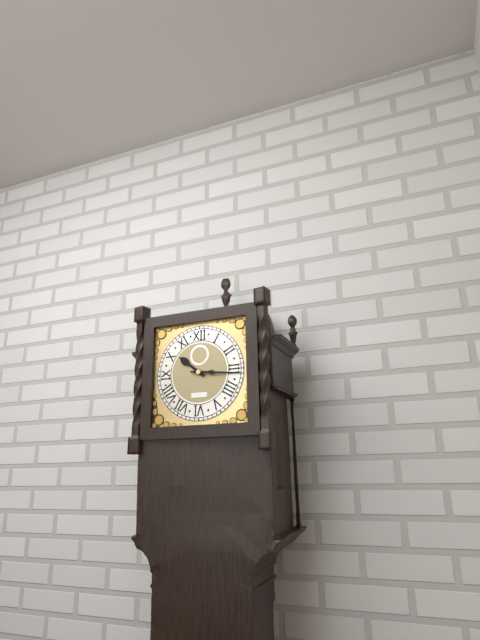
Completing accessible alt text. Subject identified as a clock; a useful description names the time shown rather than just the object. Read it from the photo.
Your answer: 10:16
